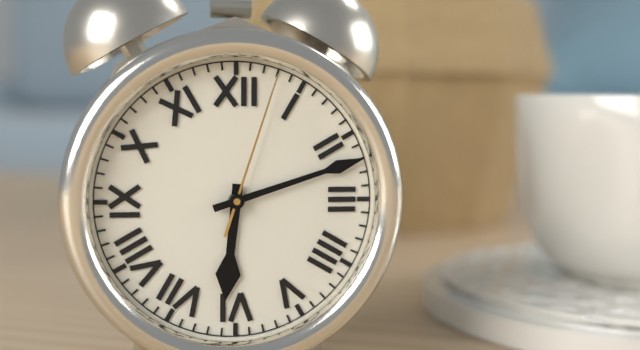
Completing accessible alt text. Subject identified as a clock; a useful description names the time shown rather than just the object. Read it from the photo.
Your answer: 6:12:03
